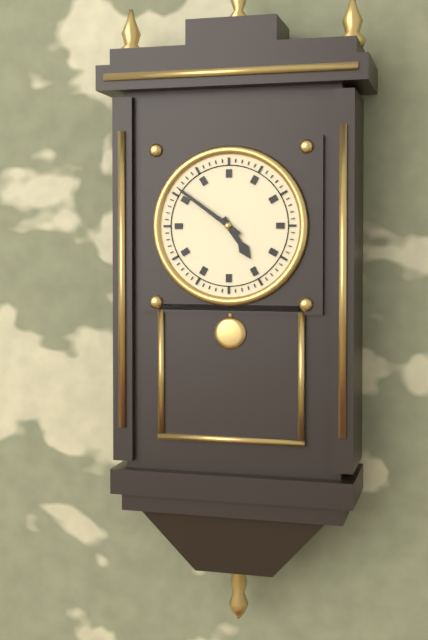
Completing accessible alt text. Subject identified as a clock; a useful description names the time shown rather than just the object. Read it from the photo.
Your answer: 4:51
